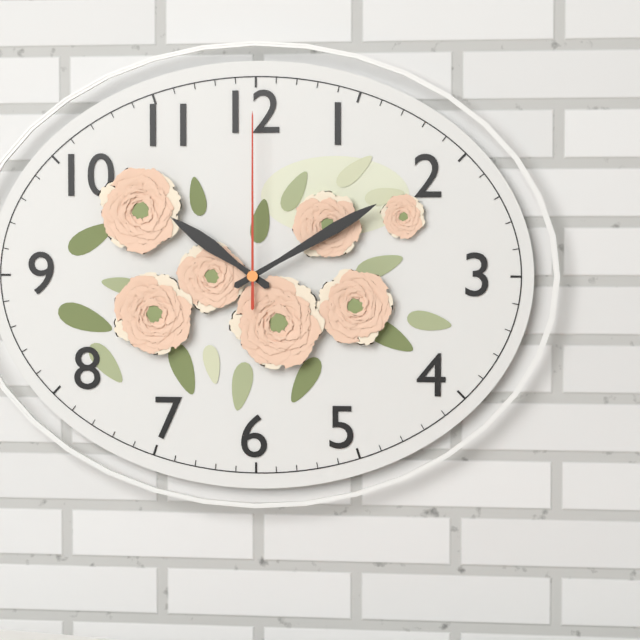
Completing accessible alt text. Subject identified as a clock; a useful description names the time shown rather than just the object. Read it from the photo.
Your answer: 10:10:00
